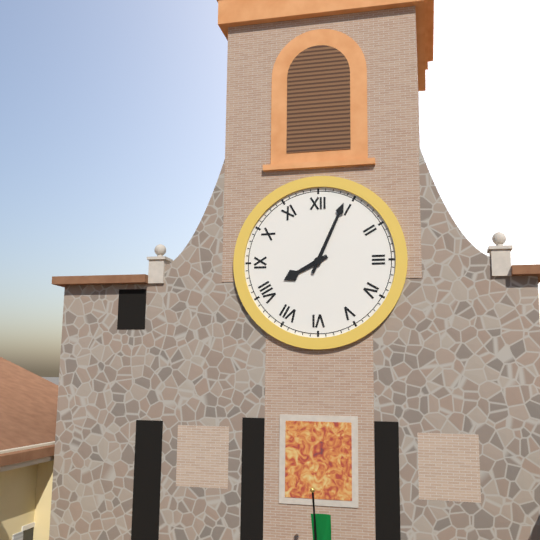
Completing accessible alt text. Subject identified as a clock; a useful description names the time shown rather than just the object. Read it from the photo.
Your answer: 8:04
